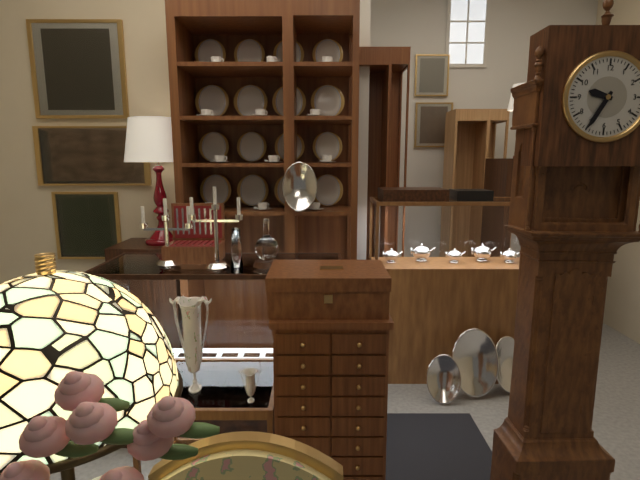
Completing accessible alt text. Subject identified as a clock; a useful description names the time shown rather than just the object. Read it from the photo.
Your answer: 9:35
